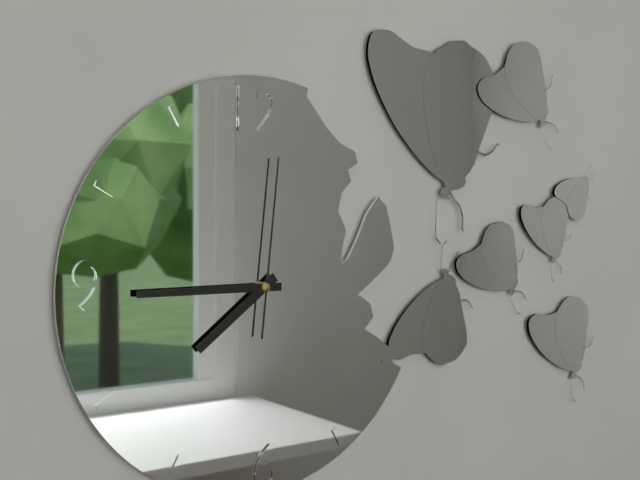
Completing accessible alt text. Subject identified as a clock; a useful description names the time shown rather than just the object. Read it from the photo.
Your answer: 7:45:01
